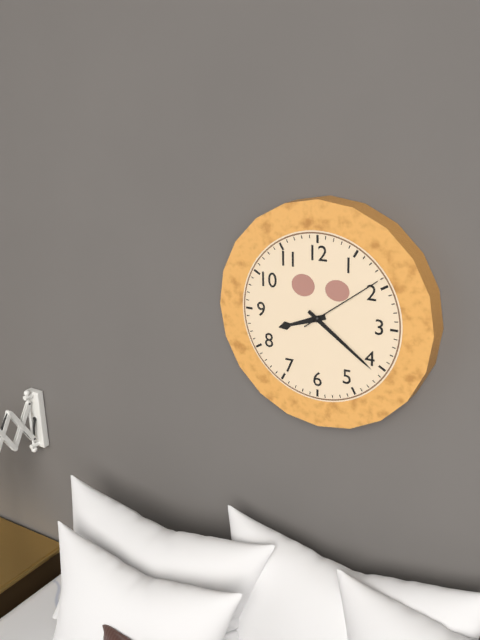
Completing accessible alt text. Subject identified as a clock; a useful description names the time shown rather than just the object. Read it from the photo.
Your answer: 8:21:09
